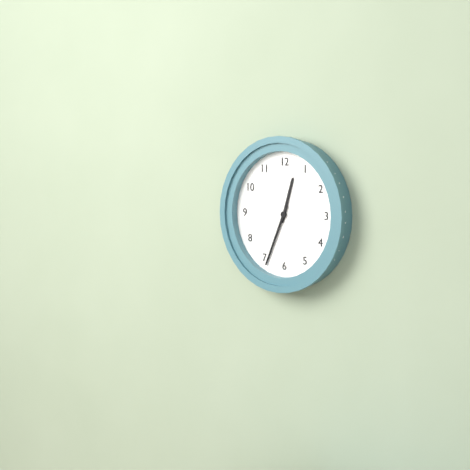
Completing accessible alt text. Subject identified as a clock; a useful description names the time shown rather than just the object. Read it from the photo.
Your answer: 12:34
